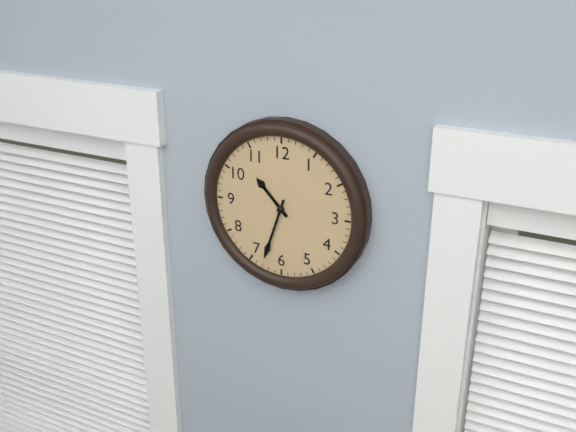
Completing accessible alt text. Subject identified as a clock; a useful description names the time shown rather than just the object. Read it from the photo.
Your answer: 10:33
